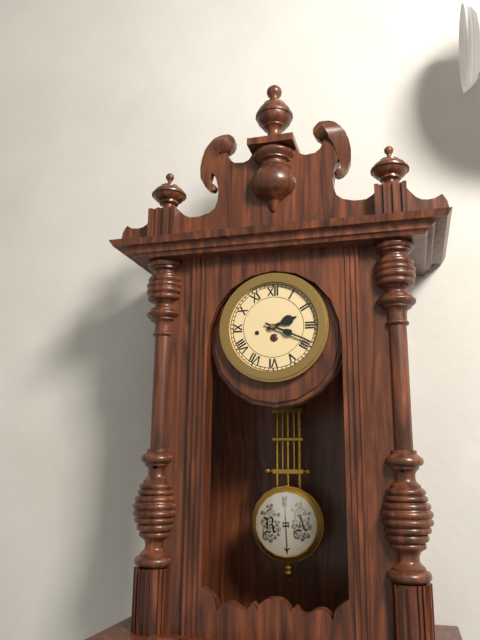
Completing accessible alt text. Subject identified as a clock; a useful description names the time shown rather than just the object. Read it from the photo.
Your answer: 2:19
